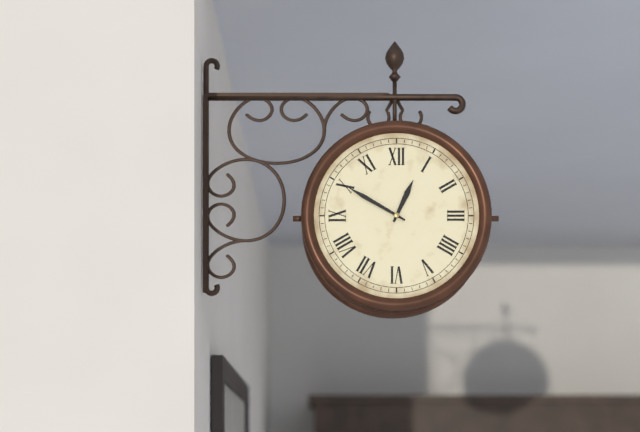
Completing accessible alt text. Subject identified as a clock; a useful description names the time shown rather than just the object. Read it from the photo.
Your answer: 12:50
